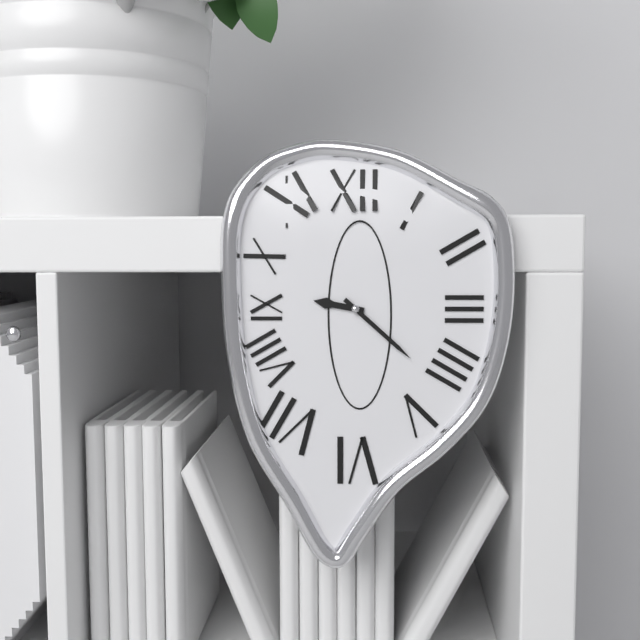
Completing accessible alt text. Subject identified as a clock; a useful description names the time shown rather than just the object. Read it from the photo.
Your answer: 9:22
